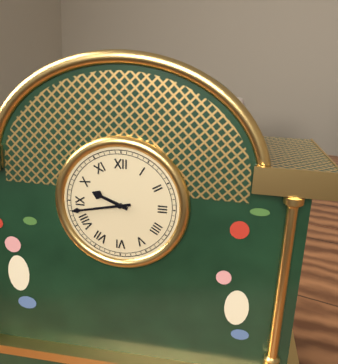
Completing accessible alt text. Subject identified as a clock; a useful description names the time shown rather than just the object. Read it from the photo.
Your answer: 9:43
